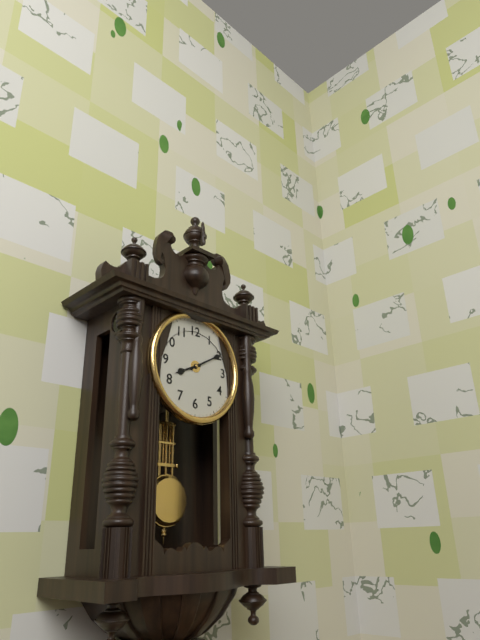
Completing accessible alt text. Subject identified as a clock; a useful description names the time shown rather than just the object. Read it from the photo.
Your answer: 8:10
